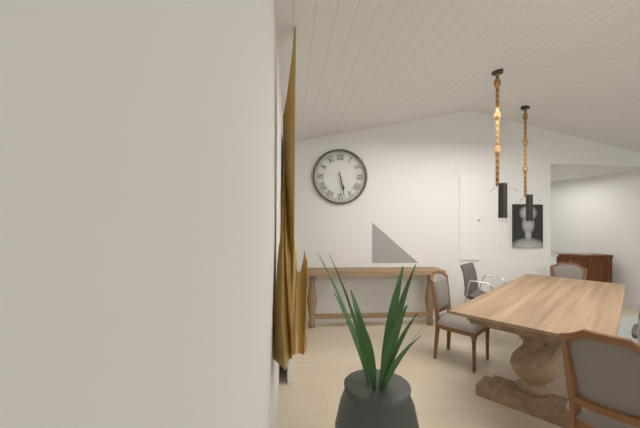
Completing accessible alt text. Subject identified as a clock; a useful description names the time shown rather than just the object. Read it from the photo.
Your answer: 5:28
